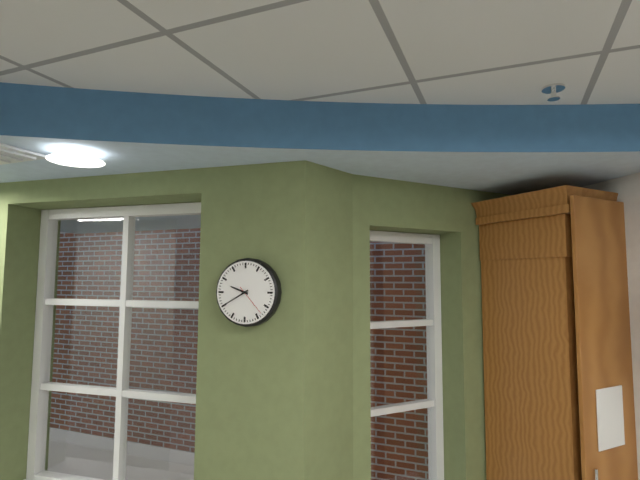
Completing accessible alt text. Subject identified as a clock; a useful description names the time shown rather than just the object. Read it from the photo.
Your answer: 9:40
